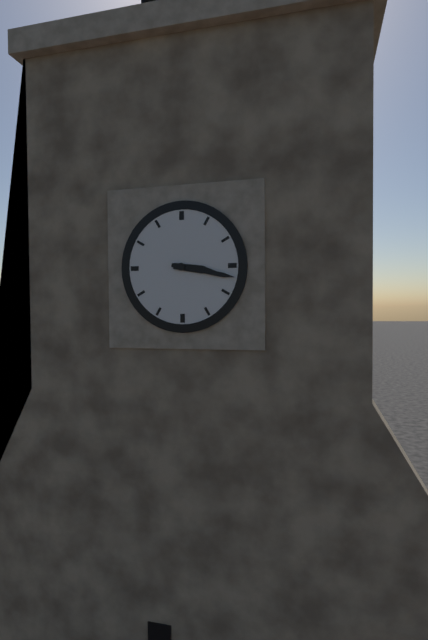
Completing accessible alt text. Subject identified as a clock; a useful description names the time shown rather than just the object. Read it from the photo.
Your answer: 3:17
